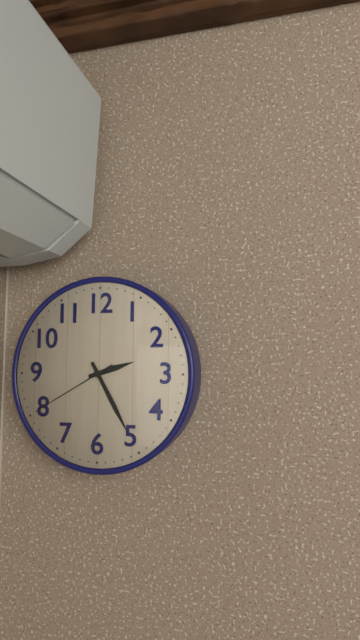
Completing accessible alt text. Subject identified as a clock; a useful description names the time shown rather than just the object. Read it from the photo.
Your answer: 2:25:40
